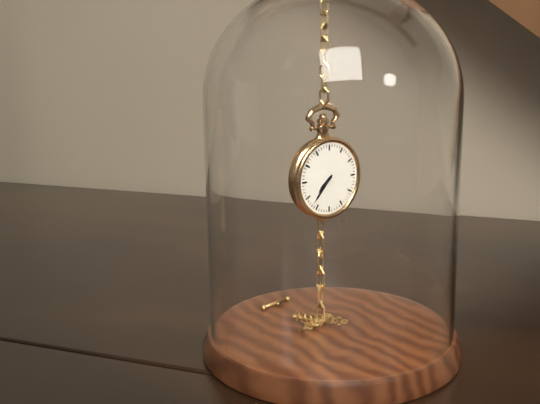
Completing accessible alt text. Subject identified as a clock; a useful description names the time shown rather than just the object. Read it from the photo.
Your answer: 7:37
